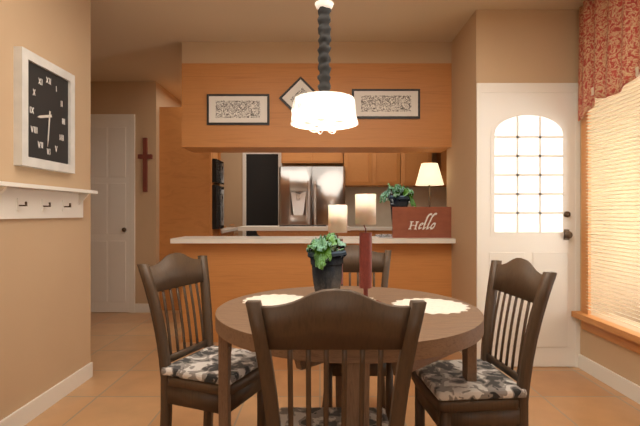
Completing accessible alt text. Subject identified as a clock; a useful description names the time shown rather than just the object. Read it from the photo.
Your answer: 8:31
